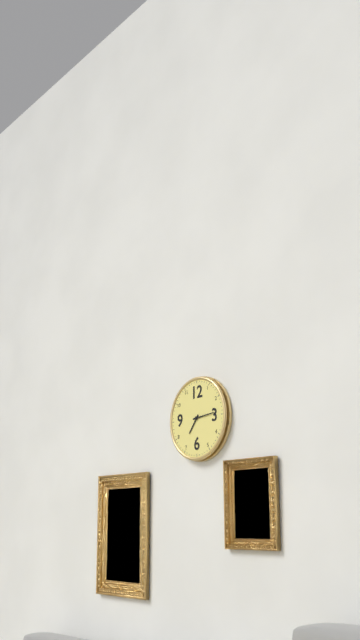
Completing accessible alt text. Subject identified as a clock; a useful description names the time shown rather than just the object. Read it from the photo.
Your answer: 7:14
